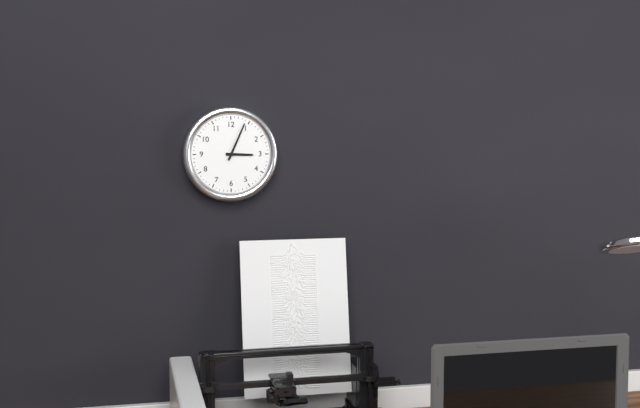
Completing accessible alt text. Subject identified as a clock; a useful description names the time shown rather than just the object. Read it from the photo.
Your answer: 3:04
